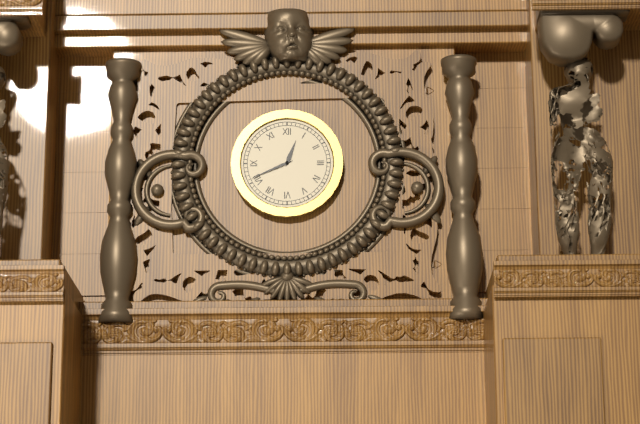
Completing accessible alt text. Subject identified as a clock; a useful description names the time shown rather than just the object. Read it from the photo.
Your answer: 12:41
